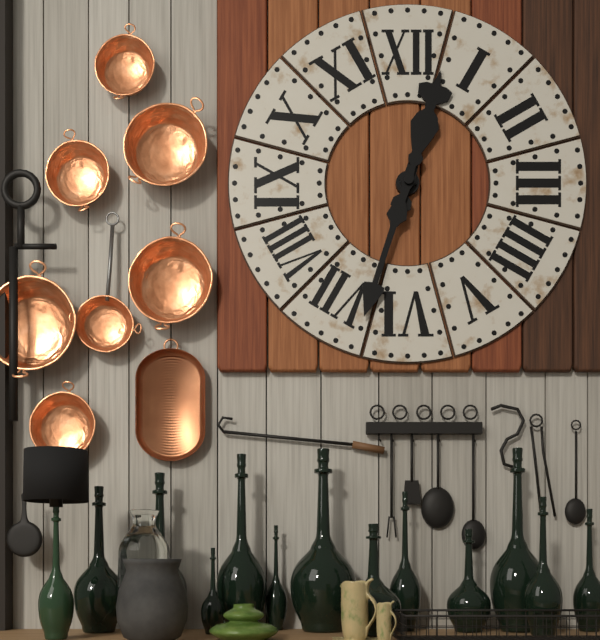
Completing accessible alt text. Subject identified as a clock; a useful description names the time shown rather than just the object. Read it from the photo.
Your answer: 12:33
